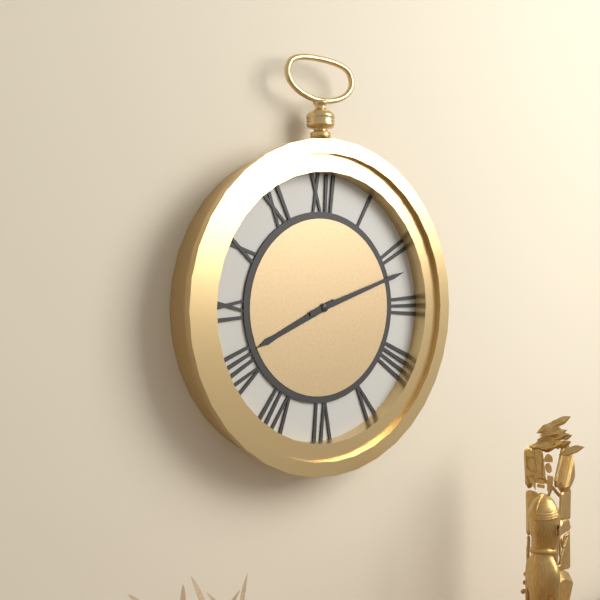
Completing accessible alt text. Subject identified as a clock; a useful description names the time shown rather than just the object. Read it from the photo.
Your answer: 8:12
